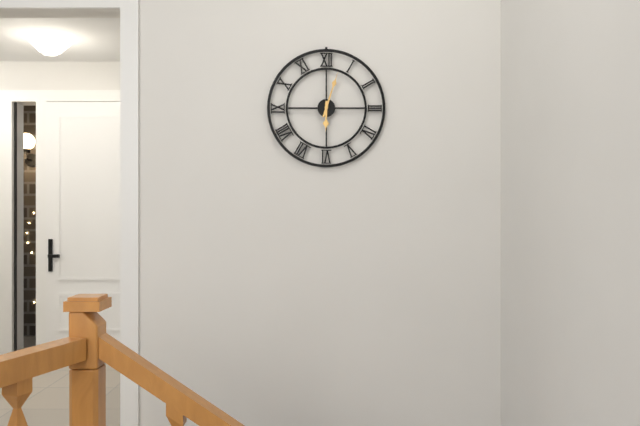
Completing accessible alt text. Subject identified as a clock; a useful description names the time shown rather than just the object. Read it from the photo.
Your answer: 6:03
